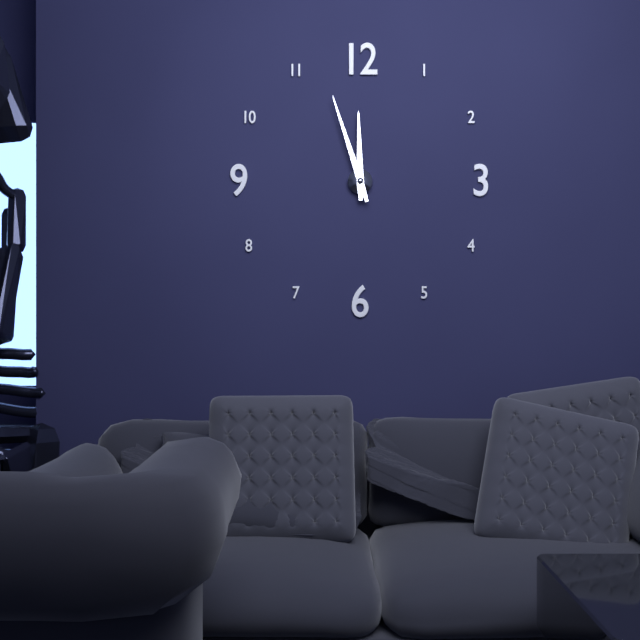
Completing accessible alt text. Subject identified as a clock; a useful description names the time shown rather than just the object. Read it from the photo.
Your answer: 11:57
